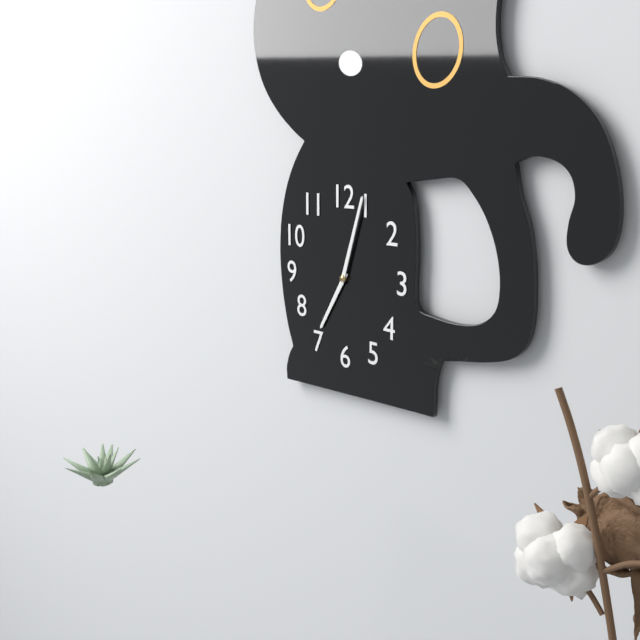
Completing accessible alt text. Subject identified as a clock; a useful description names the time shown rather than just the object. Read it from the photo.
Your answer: 7:03
